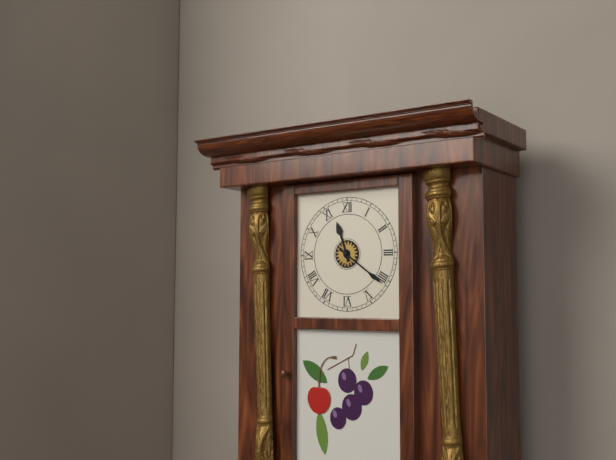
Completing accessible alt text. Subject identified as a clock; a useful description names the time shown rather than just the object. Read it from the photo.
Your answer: 11:21
